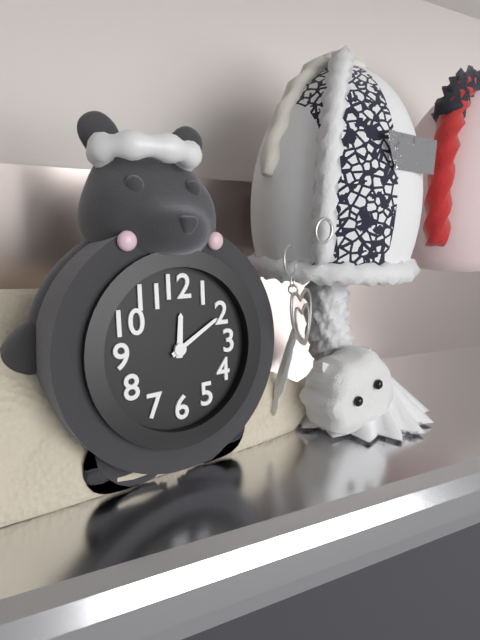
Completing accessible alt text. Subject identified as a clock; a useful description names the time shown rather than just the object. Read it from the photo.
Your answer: 12:10
